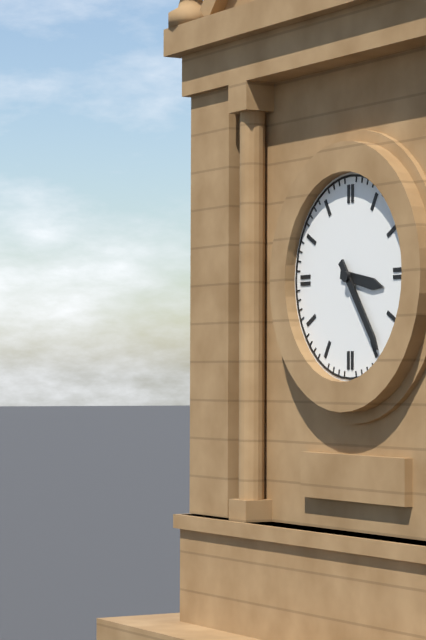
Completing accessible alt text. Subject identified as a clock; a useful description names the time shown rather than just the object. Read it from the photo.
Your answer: 3:24
